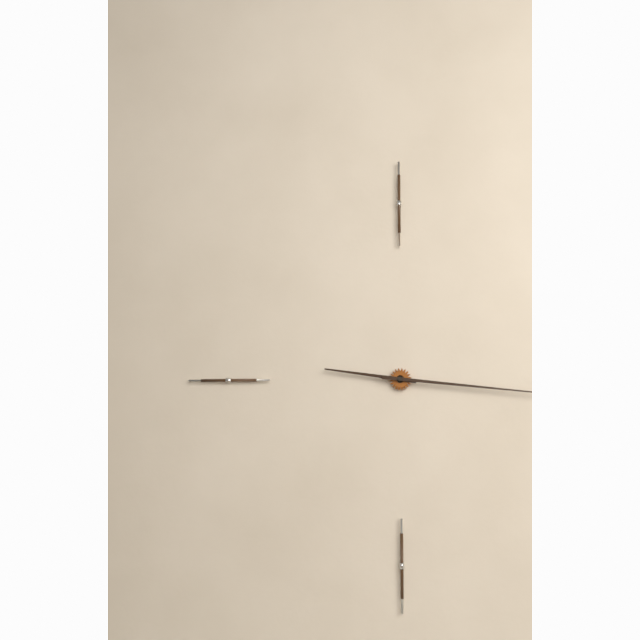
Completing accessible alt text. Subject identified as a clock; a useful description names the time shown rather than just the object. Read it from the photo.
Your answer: 9:16
